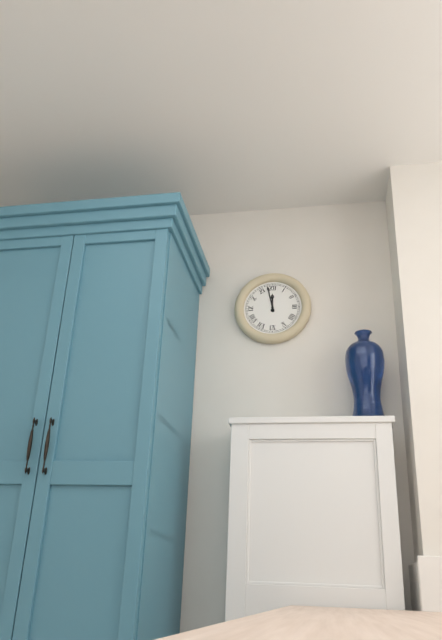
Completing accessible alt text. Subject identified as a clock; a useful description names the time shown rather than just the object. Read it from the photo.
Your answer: 11:58
